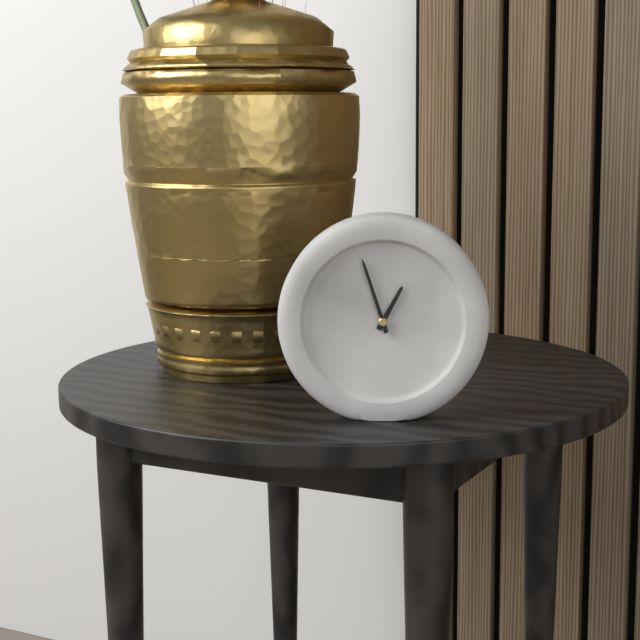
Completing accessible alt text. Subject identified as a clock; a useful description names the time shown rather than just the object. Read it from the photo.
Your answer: 12:57
